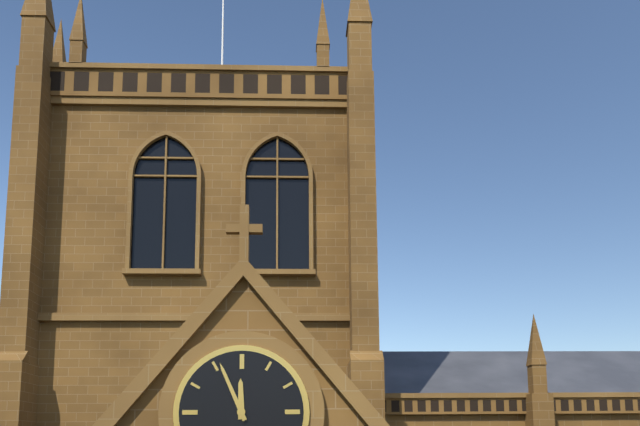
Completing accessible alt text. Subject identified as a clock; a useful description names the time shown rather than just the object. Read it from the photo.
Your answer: 11:56
